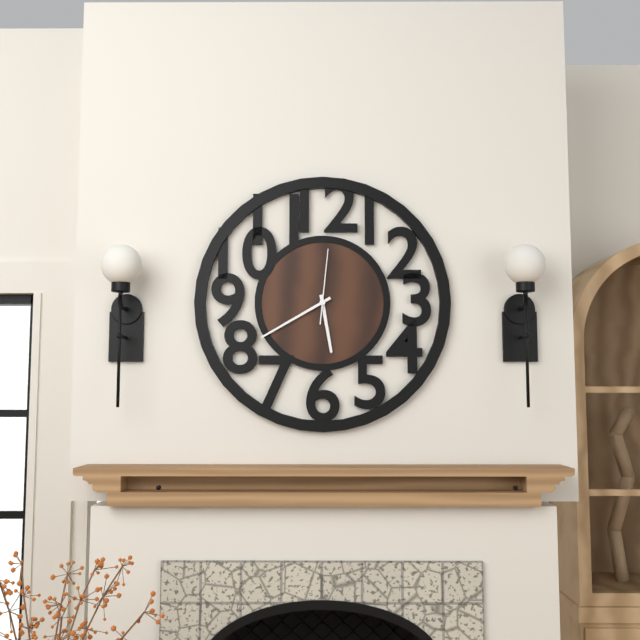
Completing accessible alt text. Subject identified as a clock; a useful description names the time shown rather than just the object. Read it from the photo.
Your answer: 5:40:01
